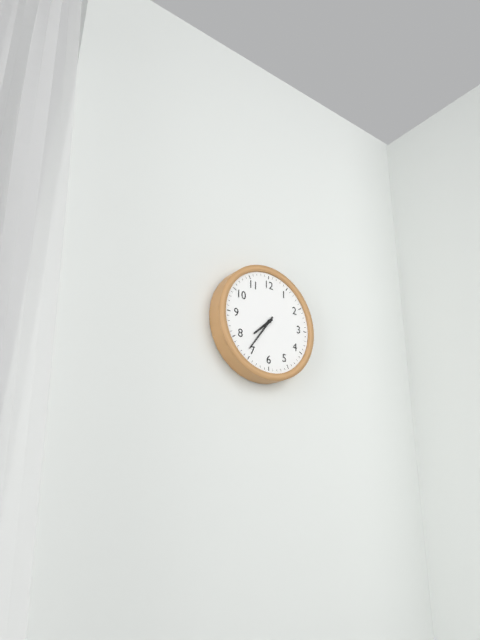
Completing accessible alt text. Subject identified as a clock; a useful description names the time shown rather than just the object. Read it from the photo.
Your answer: 7:36
